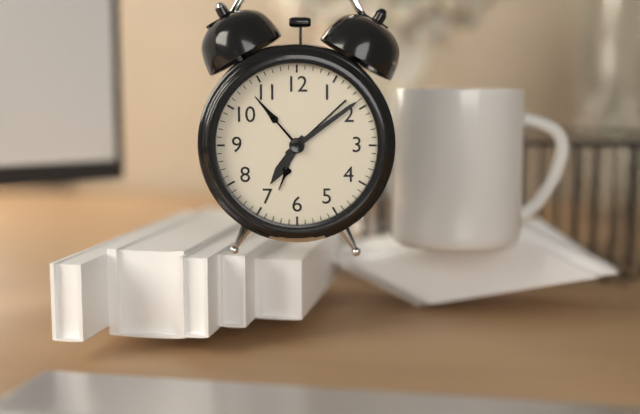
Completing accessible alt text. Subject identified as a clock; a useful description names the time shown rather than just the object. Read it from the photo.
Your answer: 7:09
